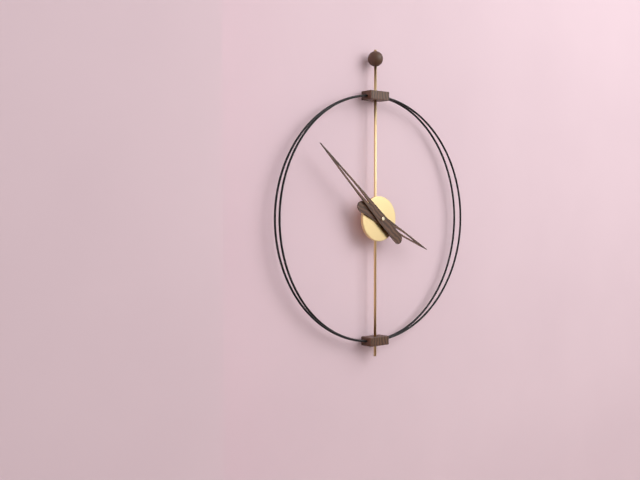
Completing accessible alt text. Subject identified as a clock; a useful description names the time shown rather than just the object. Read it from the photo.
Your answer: 3:52
